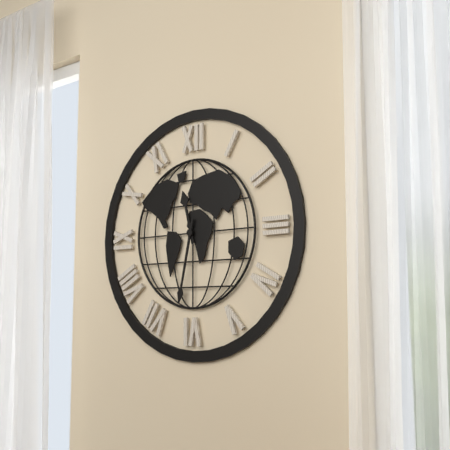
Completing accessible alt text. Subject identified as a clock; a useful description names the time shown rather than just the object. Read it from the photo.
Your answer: 11:32
